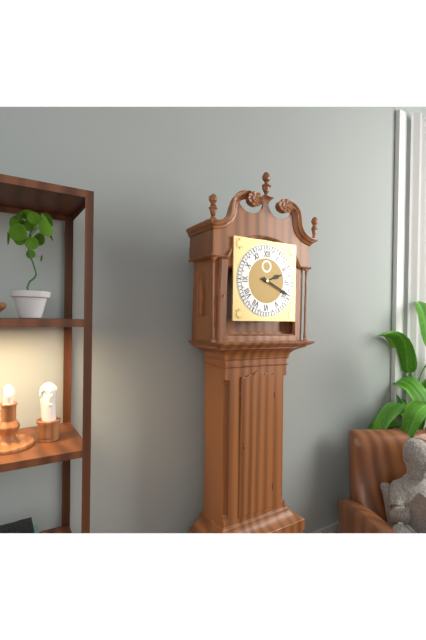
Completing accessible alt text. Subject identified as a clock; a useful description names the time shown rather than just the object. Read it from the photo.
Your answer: 2:19
